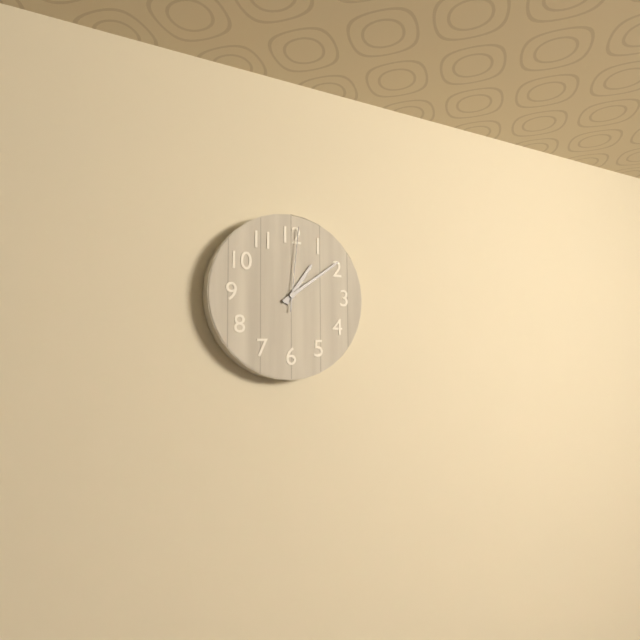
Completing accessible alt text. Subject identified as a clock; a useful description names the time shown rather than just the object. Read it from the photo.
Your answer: 1:09:01
